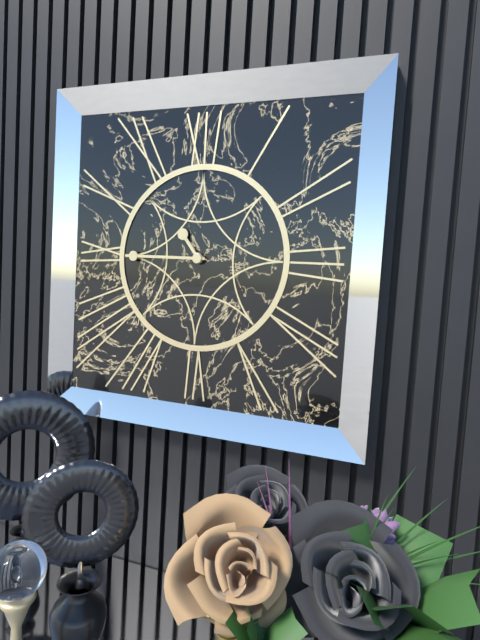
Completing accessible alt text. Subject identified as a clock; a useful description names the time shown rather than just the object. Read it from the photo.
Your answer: 10:45
